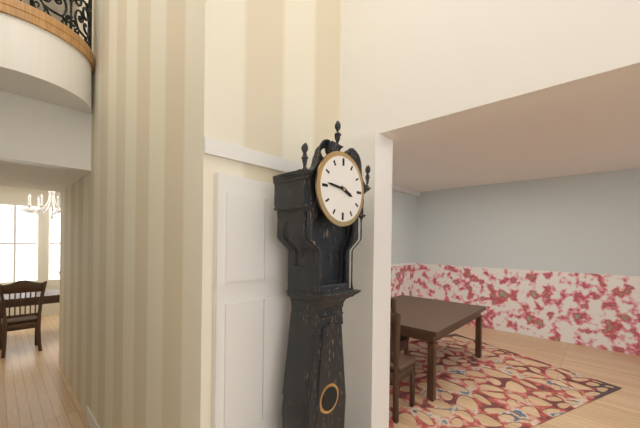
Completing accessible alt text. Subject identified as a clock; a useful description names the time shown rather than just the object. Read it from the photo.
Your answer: 3:46
